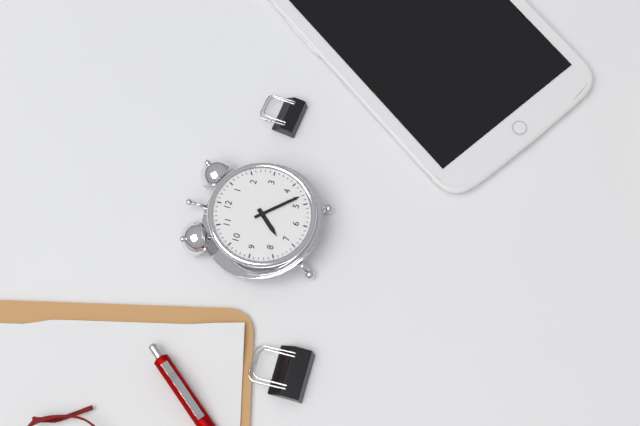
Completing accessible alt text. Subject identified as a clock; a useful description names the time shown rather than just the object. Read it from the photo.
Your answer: 7:23
